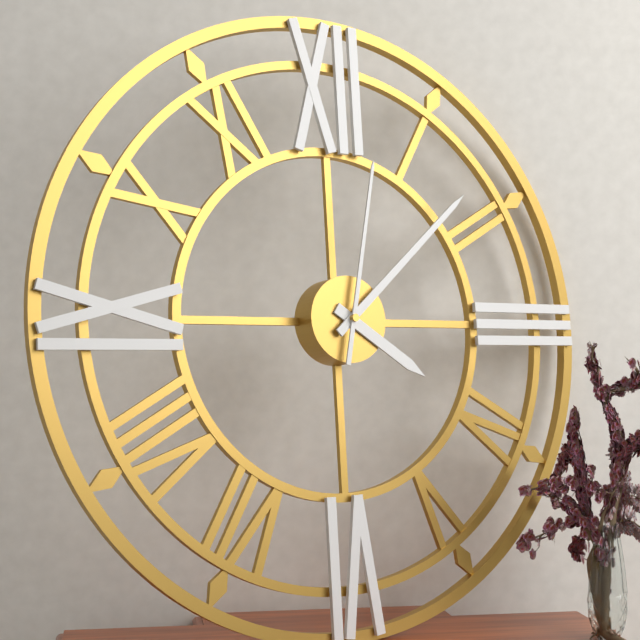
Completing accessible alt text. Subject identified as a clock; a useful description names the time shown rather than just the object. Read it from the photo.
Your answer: 4:08:02
